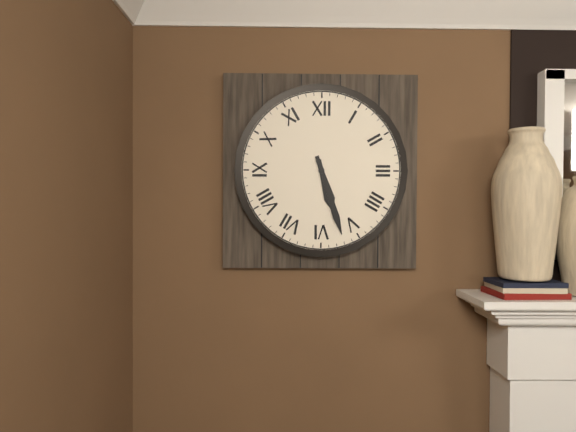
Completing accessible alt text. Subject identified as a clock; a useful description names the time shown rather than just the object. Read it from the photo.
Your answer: 5:27
